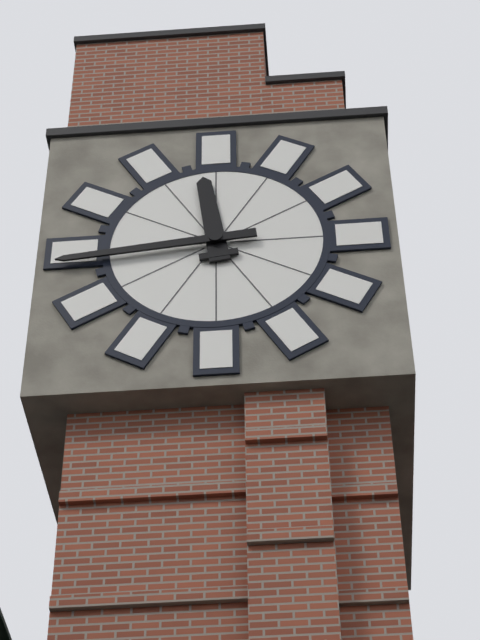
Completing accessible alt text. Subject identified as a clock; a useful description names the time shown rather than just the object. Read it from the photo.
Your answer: 11:44
